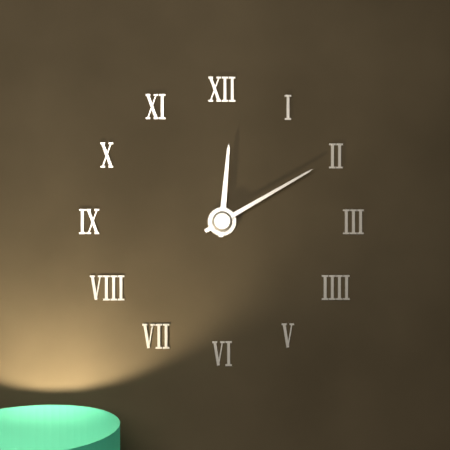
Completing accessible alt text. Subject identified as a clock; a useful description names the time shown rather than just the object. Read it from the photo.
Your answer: 12:10
